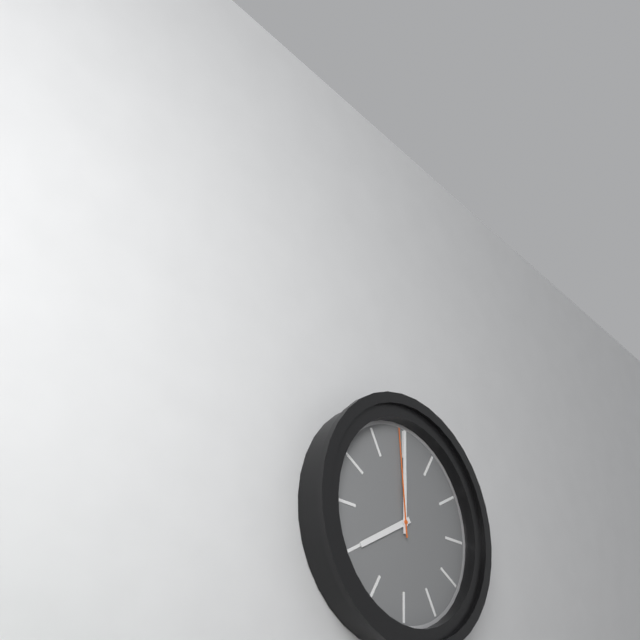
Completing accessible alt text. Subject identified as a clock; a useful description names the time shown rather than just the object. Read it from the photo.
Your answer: 8:00:59
